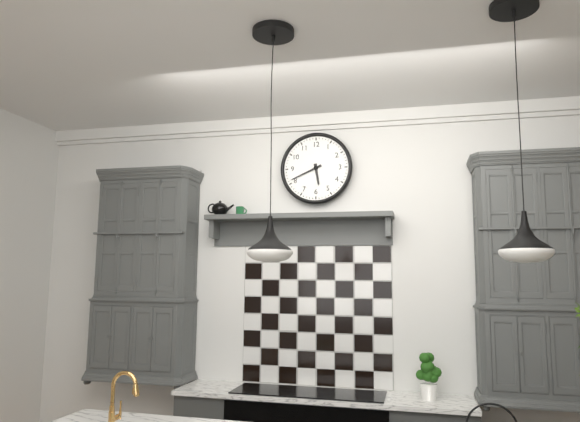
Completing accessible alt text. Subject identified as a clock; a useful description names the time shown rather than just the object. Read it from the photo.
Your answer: 5:41
